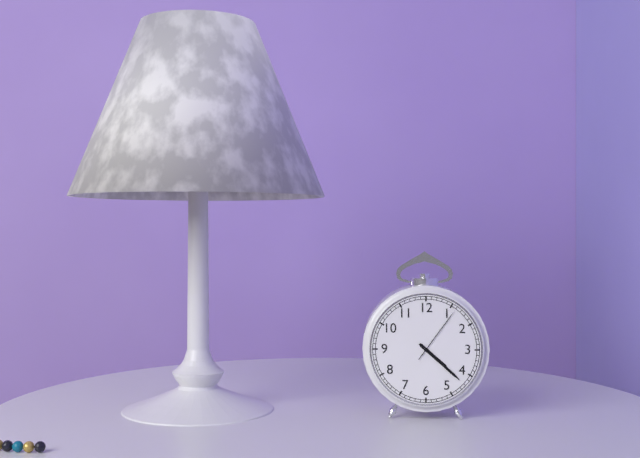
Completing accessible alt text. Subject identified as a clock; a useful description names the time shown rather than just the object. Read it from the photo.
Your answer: 4:22:06
